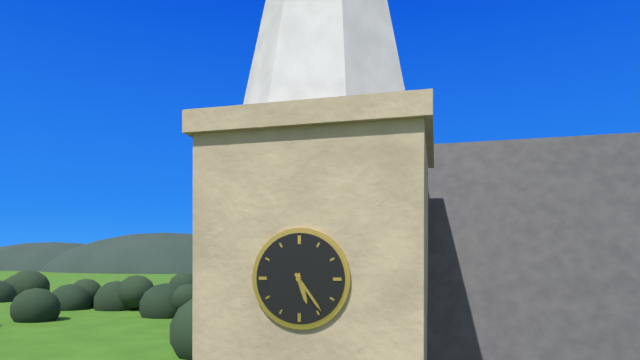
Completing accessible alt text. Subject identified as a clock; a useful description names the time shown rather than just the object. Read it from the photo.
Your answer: 5:24
